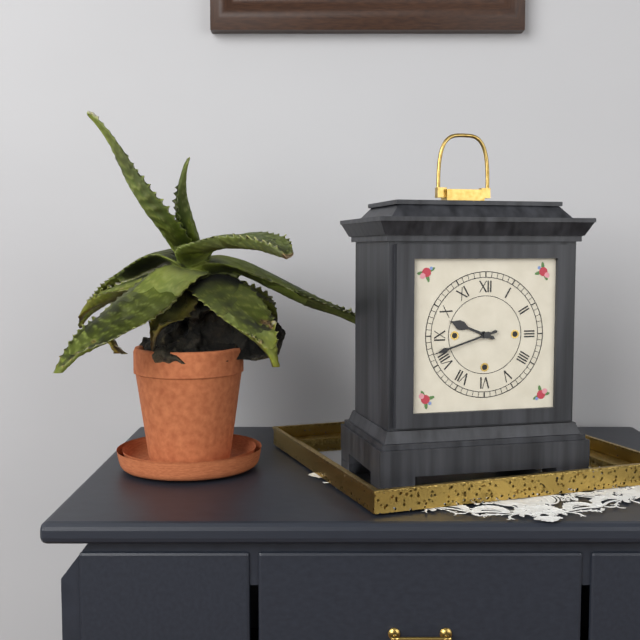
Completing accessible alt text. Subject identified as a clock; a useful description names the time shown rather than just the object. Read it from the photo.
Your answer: 9:42
